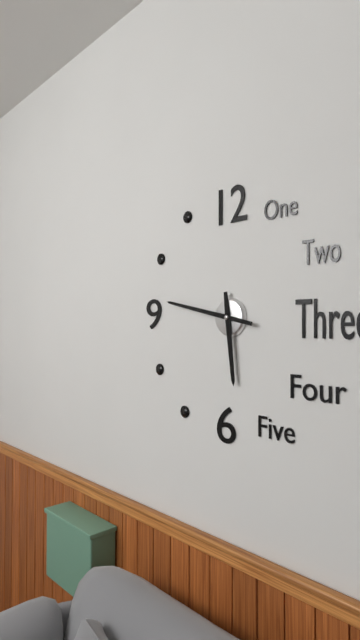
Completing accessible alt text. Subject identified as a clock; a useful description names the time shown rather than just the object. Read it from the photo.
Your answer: 5:47
